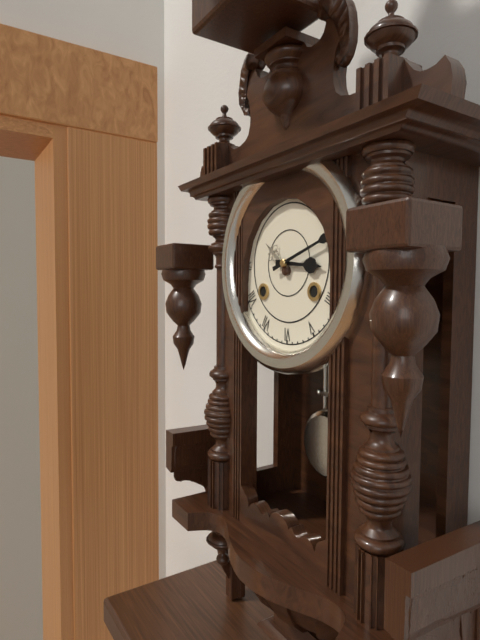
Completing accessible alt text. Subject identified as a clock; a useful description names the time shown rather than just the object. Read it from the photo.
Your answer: 3:12
